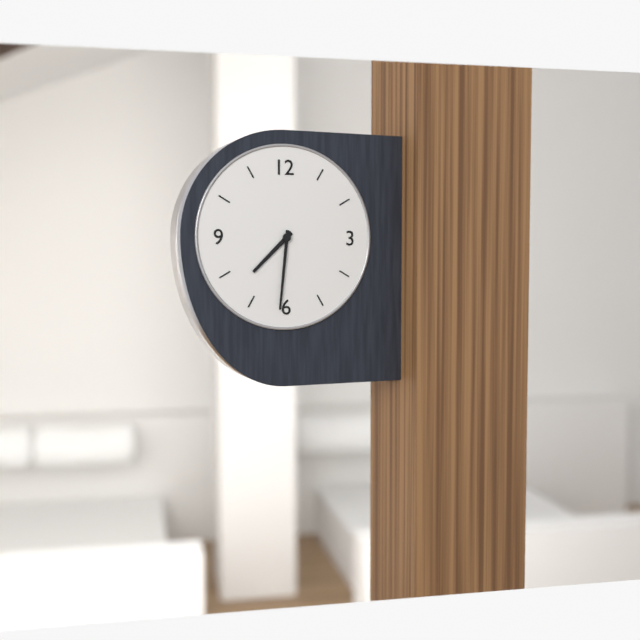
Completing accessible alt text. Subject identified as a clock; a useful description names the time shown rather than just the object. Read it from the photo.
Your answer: 7:31
